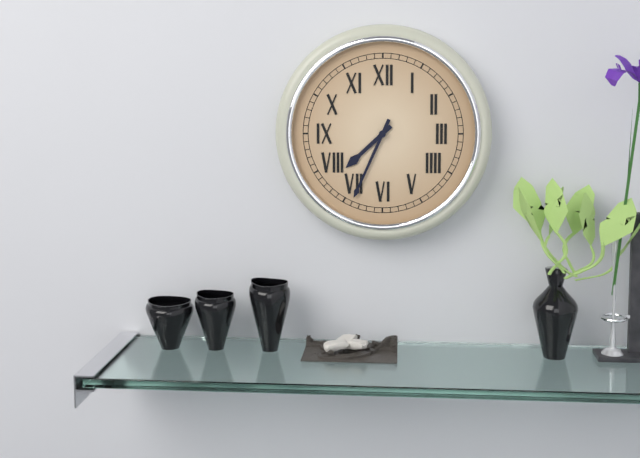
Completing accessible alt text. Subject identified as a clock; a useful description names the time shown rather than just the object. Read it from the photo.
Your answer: 7:34
